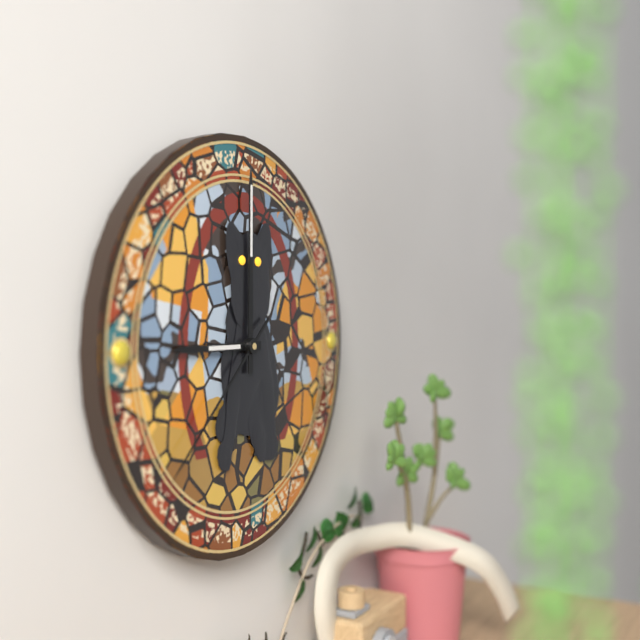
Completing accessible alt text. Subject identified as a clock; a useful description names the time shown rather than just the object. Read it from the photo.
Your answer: 9:00:38
